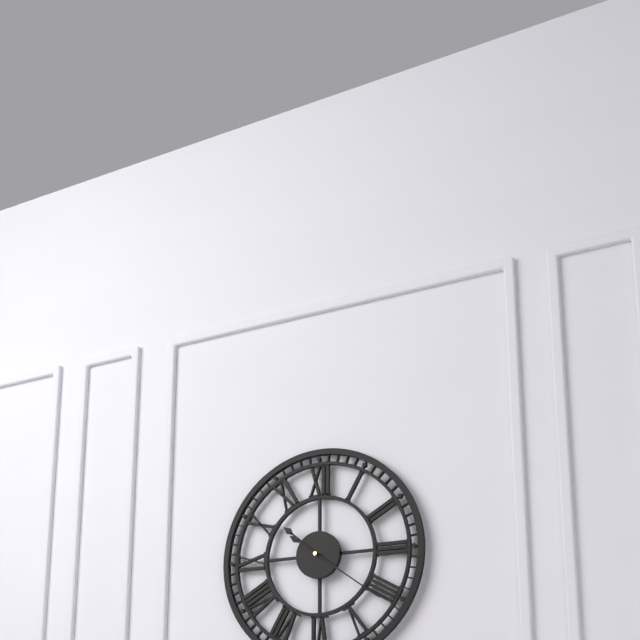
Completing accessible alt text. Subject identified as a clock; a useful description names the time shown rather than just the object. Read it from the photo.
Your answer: 10:21
